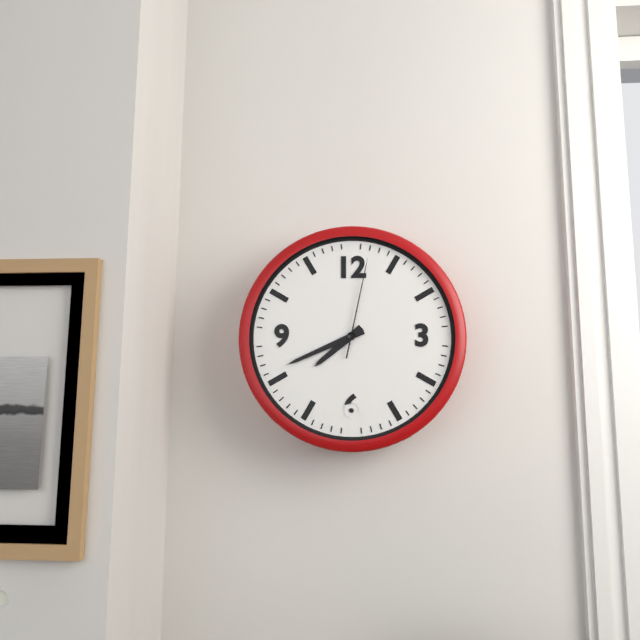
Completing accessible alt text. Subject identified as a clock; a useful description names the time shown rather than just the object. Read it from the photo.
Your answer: 7:41:02
